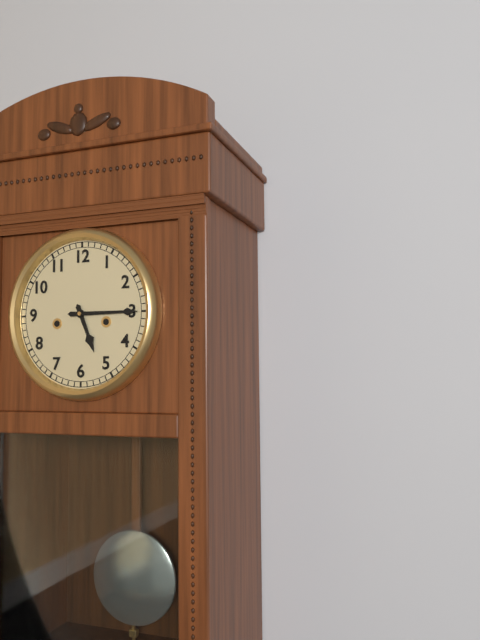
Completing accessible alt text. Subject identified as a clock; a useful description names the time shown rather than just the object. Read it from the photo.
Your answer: 5:15
